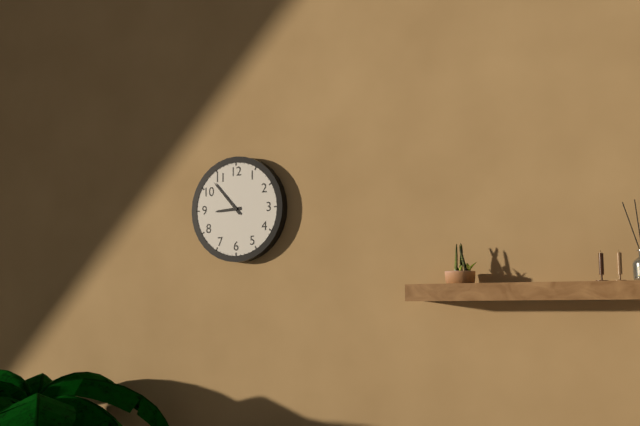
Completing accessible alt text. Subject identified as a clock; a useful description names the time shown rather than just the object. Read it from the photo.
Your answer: 8:53
